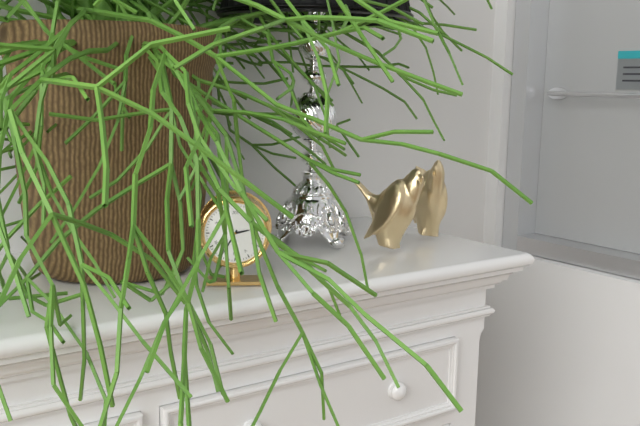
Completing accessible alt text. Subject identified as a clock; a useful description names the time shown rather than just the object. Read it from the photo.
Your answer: 2:35
